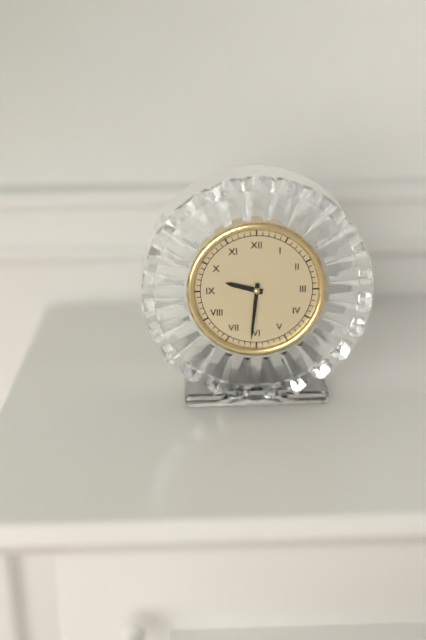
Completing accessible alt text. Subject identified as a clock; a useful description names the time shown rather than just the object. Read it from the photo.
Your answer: 9:31
